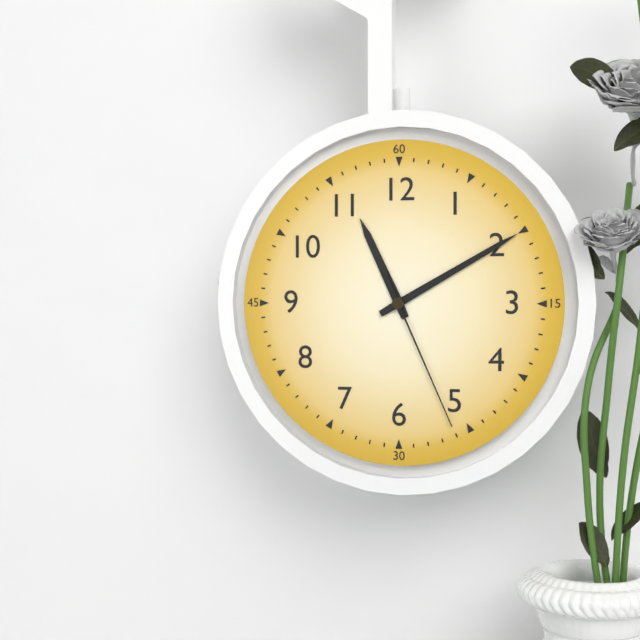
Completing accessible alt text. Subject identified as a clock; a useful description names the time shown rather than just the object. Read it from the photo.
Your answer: 11:10:26
